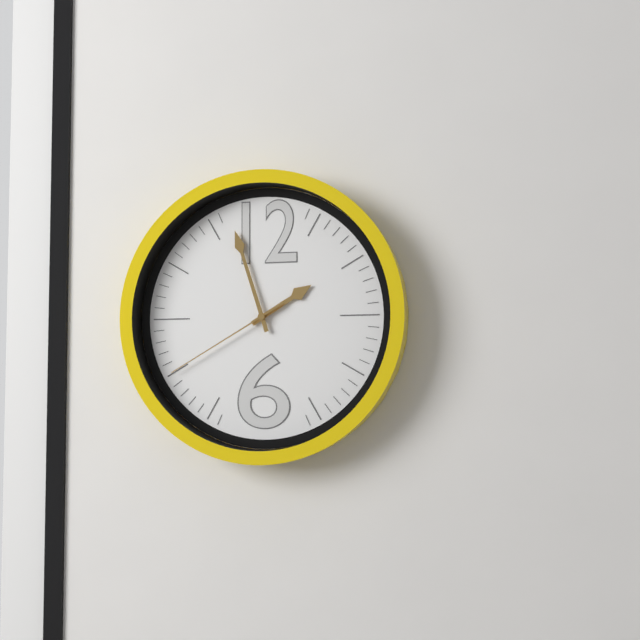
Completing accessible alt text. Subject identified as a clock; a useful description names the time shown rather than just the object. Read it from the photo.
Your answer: 1:57:40
